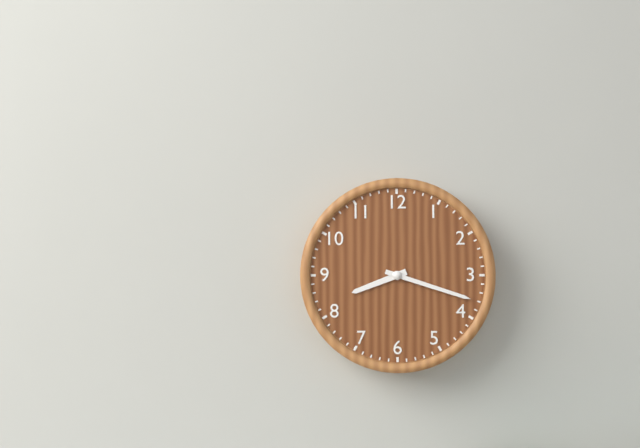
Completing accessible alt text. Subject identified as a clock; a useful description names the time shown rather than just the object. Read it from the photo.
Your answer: 8:18
